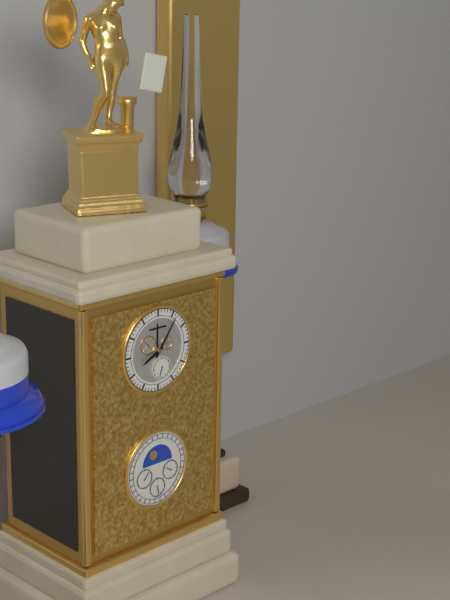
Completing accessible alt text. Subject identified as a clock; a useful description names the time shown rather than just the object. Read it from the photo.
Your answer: 8:06
